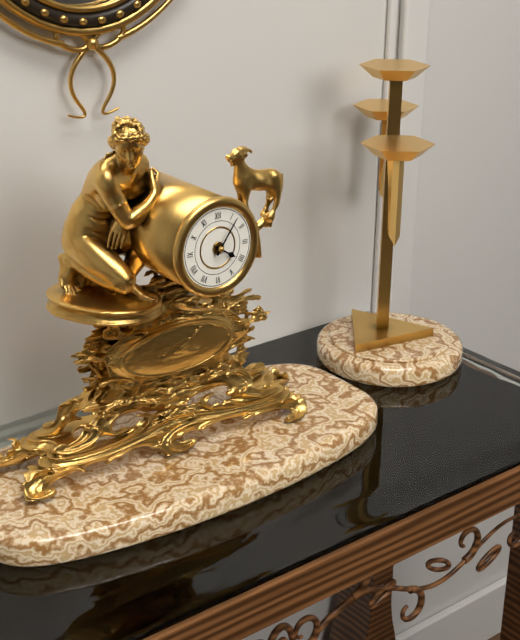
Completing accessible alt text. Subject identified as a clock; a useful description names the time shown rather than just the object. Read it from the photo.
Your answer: 4:06
